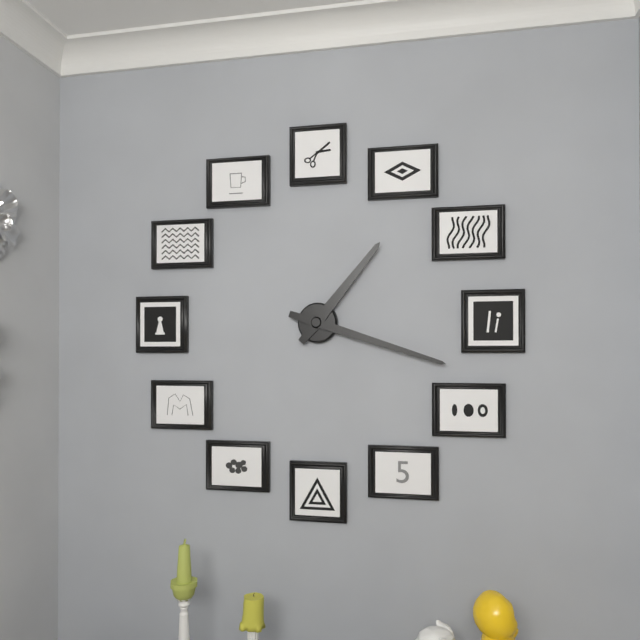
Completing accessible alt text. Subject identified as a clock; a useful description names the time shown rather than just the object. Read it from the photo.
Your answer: 1:18
